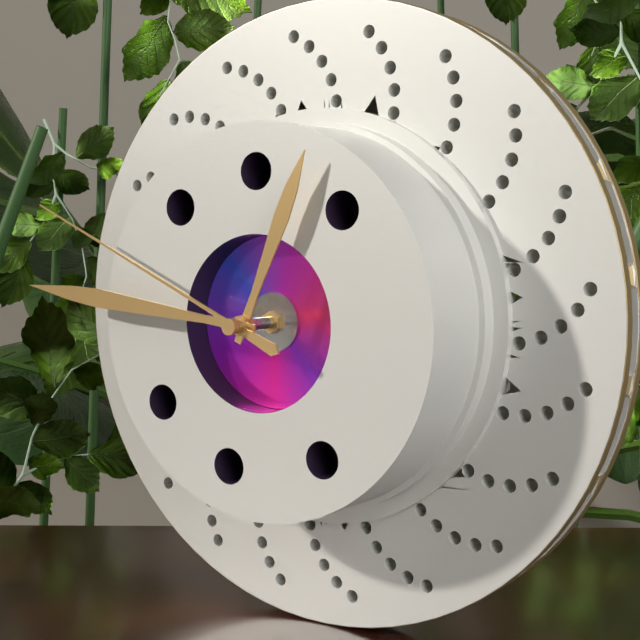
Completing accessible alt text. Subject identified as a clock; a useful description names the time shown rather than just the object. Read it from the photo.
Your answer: 12:46:49
